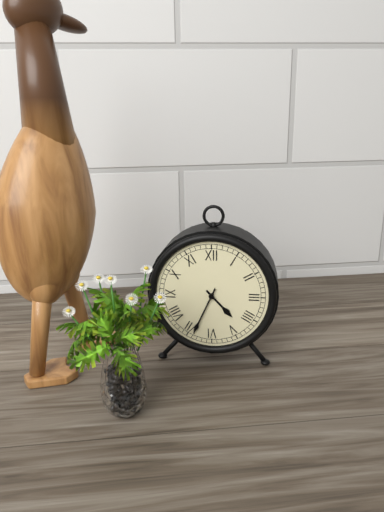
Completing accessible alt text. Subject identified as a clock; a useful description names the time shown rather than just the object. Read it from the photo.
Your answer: 4:34
